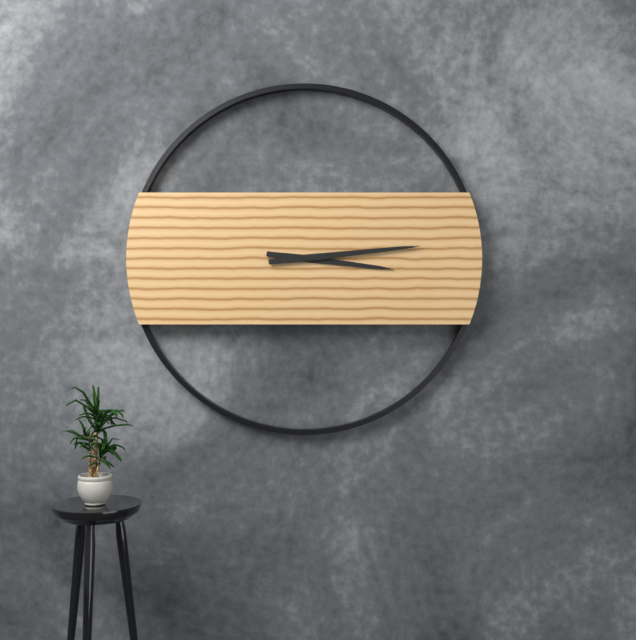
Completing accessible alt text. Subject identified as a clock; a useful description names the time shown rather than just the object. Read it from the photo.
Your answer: 3:14
